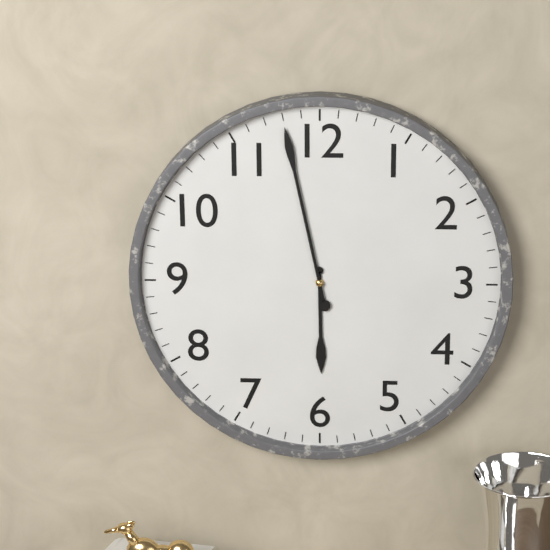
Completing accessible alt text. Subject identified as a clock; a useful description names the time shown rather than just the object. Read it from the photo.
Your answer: 5:58
